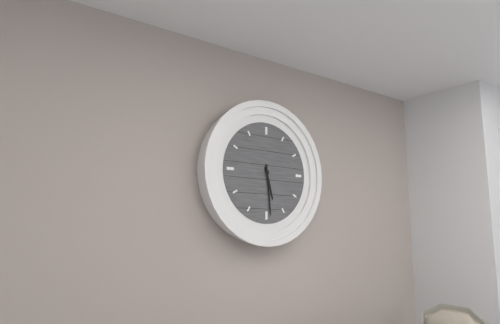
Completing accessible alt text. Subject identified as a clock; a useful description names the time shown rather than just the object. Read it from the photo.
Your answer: 5:29
